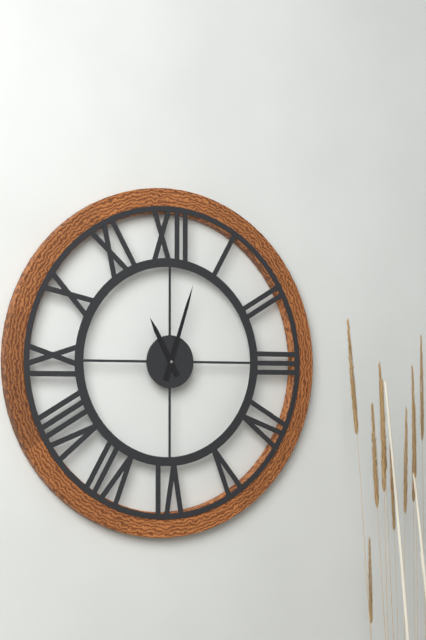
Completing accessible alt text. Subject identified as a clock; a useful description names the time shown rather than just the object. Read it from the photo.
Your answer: 11:03
